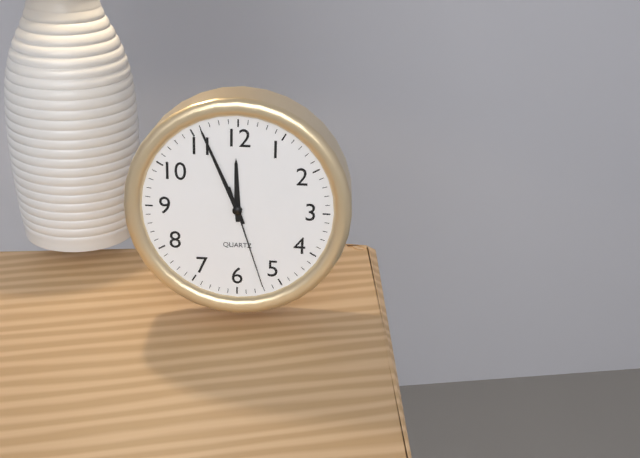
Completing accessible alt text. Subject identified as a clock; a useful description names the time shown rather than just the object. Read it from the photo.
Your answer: 11:56:27
